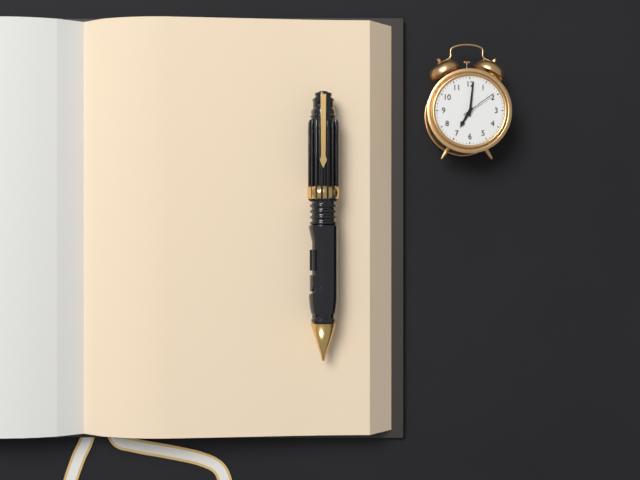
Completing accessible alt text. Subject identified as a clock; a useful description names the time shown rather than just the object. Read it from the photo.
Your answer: 7:01
